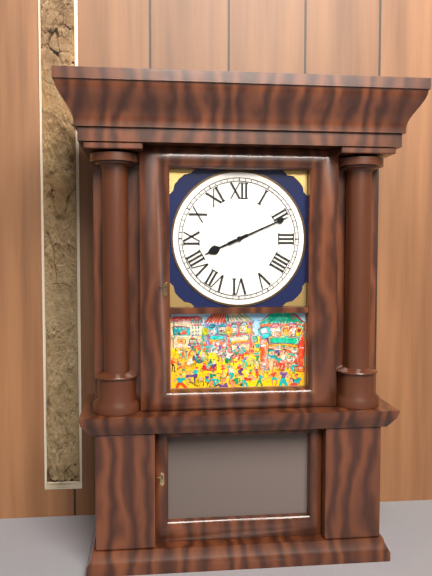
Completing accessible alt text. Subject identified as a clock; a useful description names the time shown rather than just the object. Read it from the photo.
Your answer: 8:11
